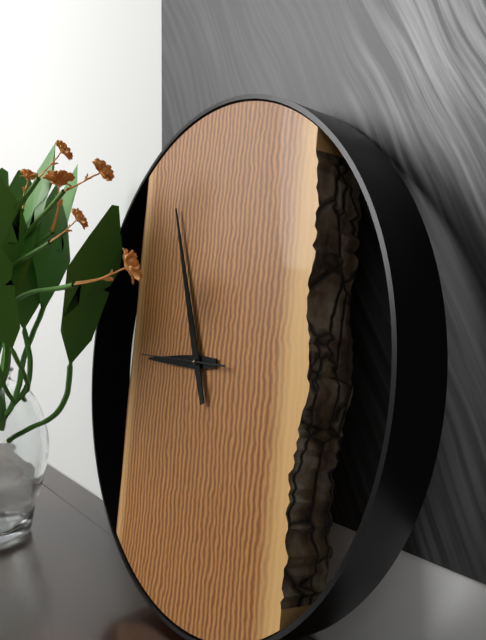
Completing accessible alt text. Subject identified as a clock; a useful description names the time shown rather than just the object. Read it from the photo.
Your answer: 8:56:45
